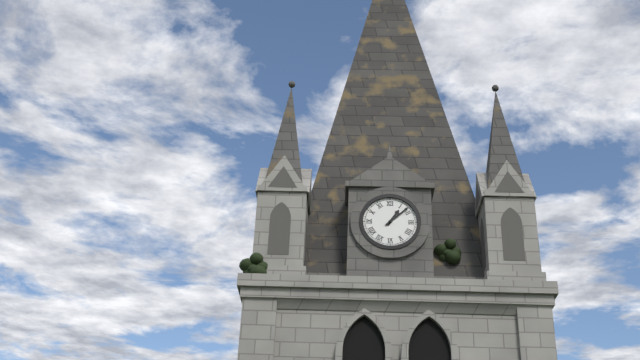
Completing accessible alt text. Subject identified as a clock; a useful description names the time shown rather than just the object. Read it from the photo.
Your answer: 1:08
